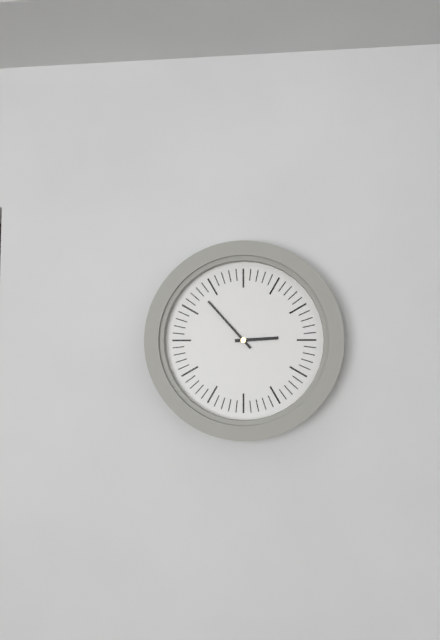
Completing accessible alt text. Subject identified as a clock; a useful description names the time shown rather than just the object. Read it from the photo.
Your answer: 2:53
